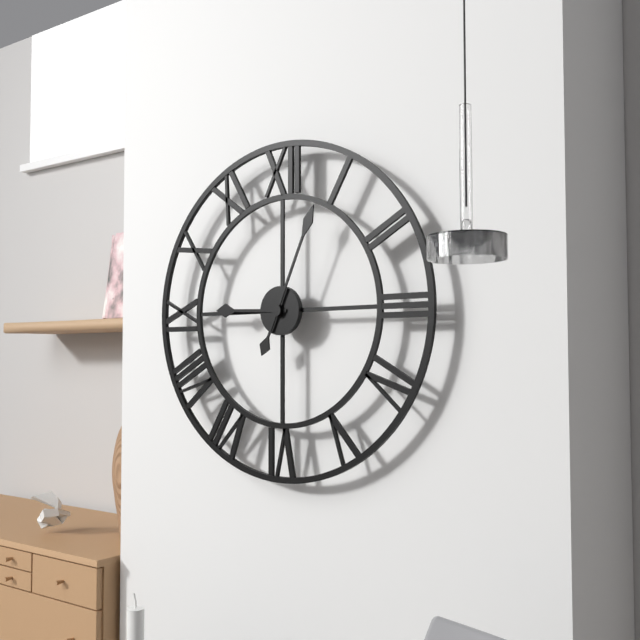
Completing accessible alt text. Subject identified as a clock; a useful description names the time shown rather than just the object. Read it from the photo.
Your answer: 9:04
